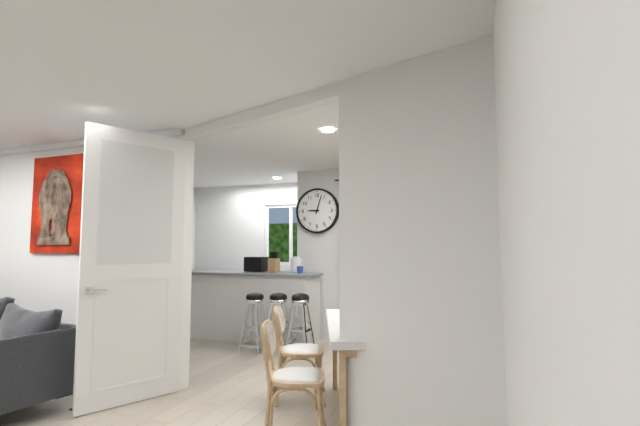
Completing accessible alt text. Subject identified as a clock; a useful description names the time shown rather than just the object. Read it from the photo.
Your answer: 9:03
